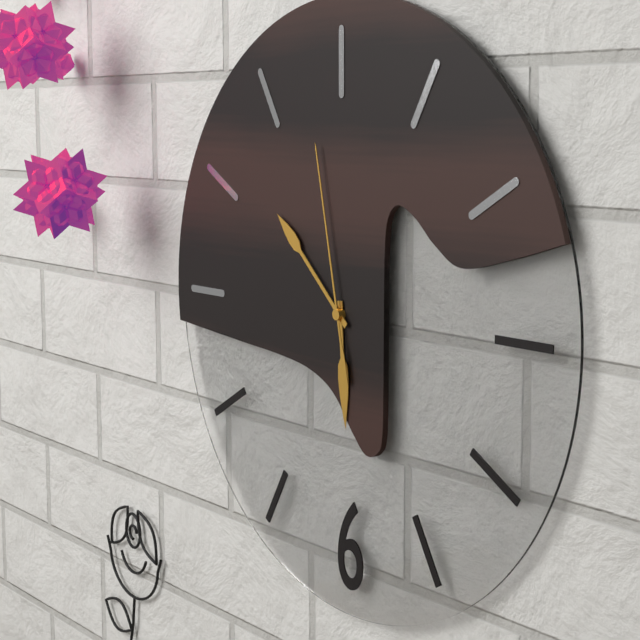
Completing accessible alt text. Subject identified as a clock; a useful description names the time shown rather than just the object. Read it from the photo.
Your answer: 5:52:58
